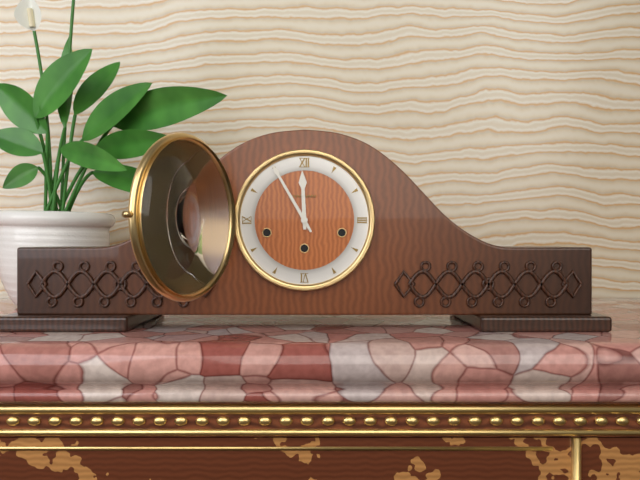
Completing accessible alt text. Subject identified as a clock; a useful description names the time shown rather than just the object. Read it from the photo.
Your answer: 11:55
